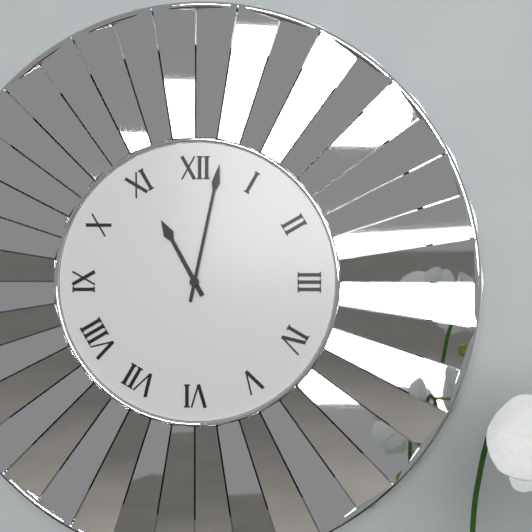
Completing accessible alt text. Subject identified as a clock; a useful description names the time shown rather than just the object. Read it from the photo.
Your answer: 11:02
